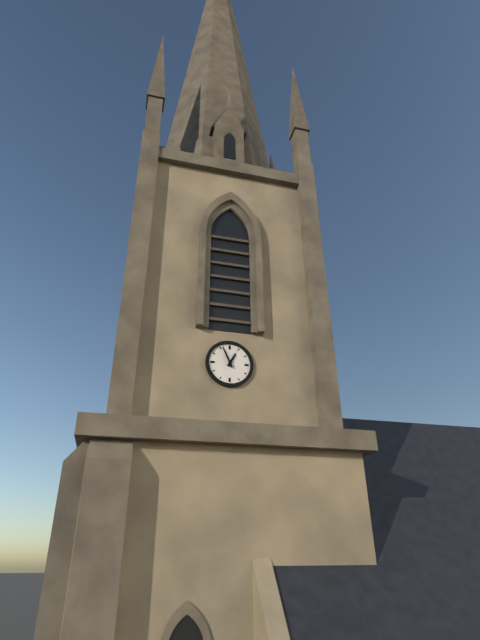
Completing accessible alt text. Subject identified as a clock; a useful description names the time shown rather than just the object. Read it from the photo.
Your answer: 12:56
